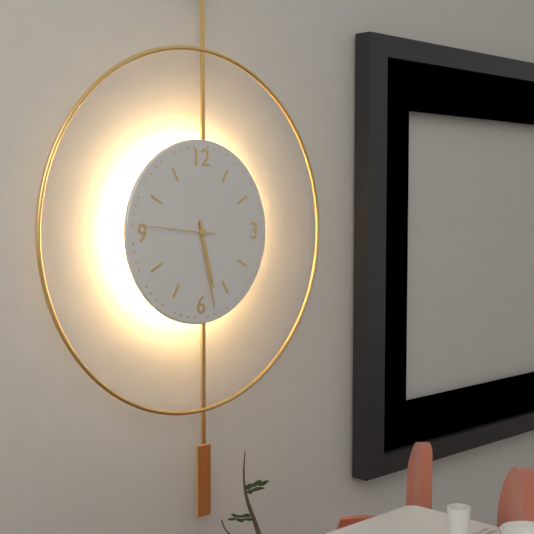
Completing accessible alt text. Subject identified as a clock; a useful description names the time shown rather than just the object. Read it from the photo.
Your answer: 5:28:46
